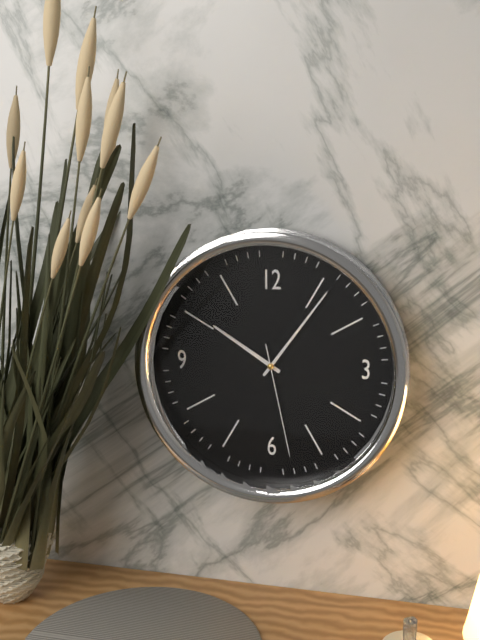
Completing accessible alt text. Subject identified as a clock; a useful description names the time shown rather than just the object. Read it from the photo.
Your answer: 10:06:28
